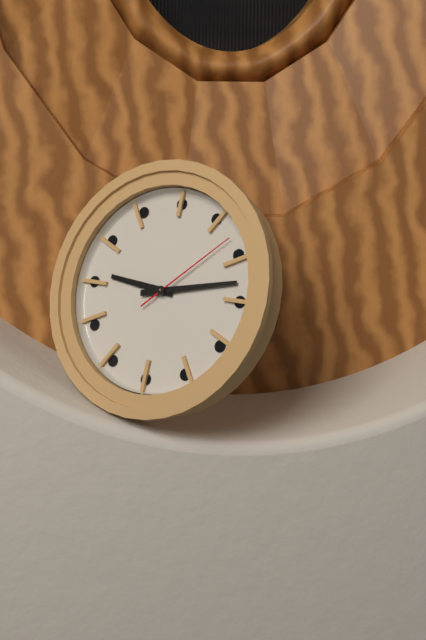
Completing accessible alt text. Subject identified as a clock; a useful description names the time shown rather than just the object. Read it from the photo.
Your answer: 9:13:08
